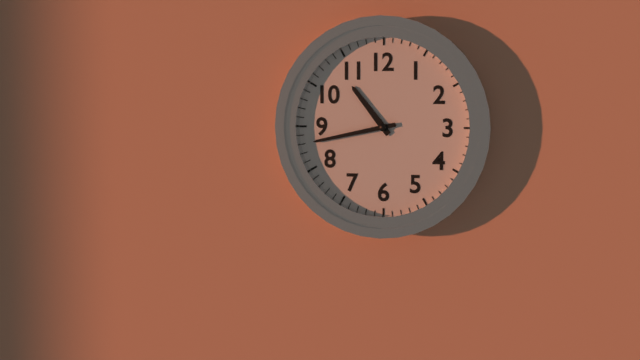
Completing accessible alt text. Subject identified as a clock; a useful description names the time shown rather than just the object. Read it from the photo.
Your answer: 10:43
